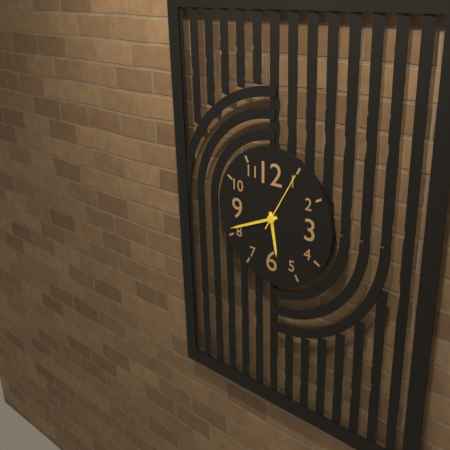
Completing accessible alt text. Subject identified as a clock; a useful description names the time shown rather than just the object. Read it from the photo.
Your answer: 5:41:05
